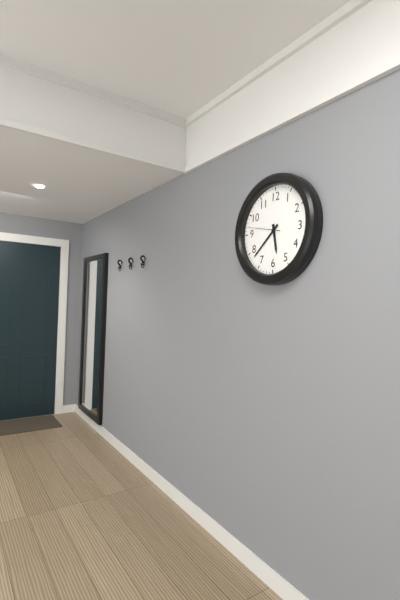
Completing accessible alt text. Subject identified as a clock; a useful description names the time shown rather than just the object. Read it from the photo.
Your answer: 5:38
